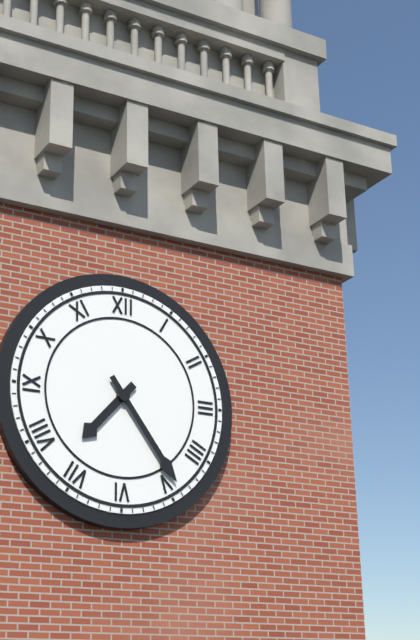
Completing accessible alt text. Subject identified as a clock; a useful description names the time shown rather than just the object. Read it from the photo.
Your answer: 7:24
